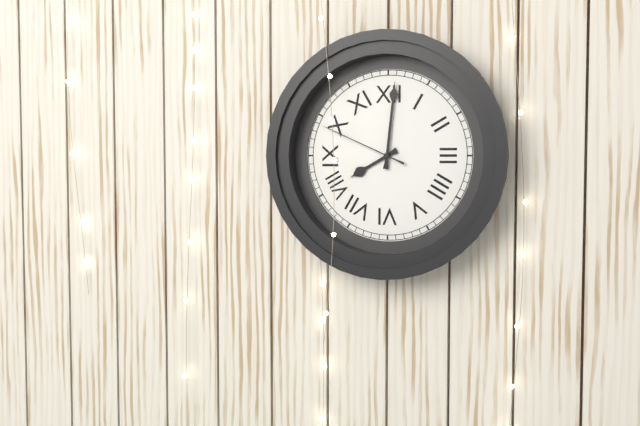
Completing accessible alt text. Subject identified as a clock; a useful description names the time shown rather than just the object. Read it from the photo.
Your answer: 8:01:49
